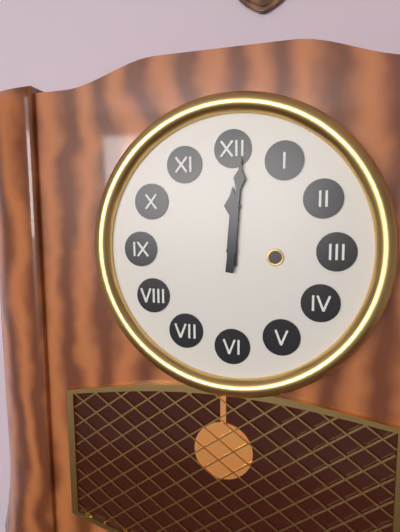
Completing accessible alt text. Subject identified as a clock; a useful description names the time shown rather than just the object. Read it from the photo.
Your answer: 12:01
